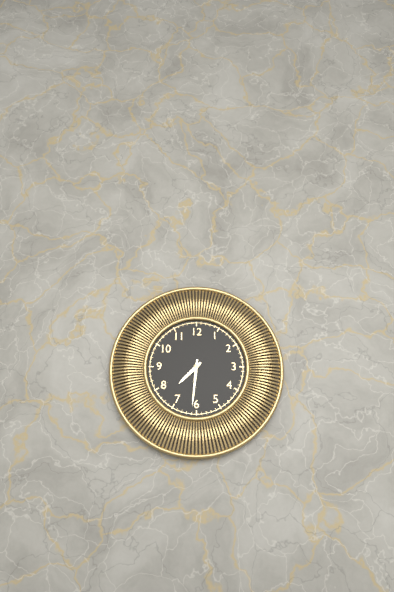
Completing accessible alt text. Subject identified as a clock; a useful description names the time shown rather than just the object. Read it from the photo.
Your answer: 7:31
